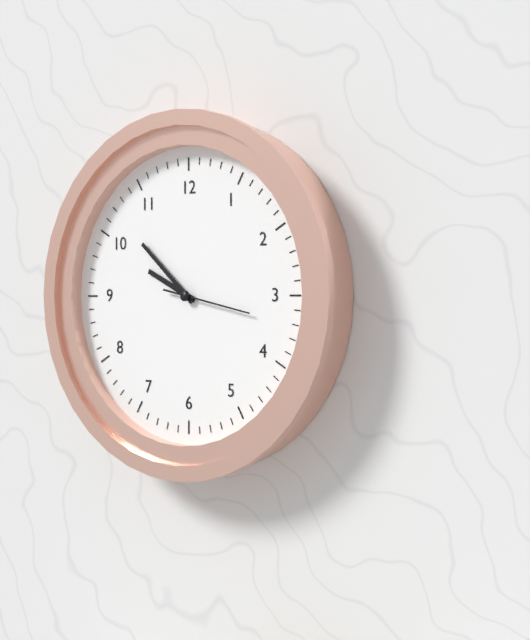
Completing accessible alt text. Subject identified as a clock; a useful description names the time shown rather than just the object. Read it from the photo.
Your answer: 9:52:17
